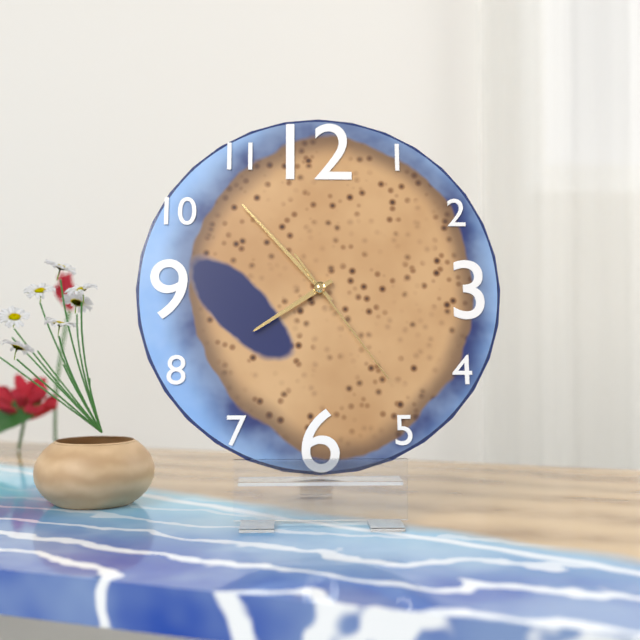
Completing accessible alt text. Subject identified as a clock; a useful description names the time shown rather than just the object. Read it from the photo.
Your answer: 7:53:24
